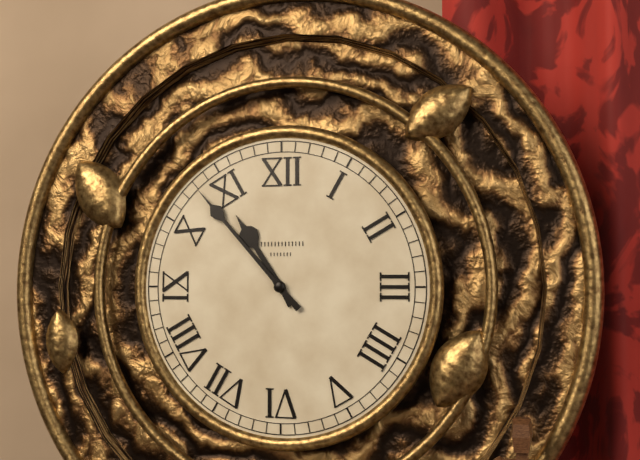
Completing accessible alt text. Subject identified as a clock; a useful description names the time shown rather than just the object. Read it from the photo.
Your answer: 10:53
